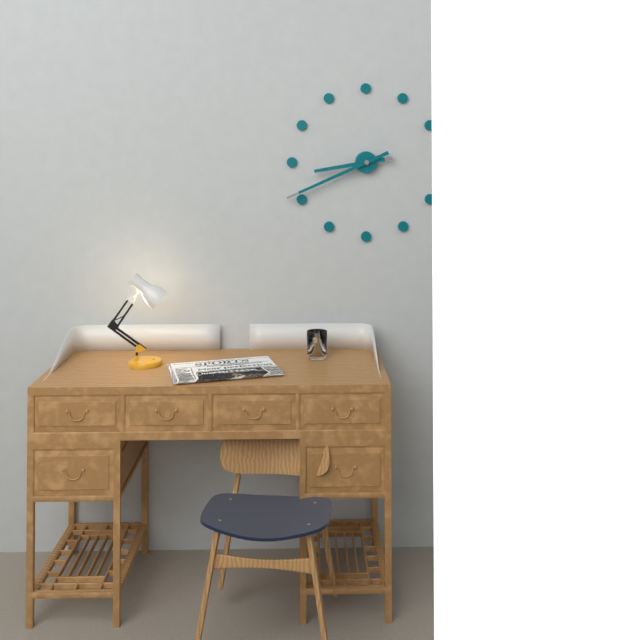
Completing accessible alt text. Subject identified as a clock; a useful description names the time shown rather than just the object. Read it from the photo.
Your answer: 8:41
